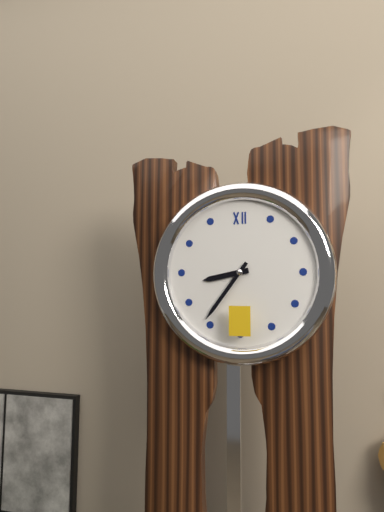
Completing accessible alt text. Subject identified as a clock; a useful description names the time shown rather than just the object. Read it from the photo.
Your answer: 8:36
